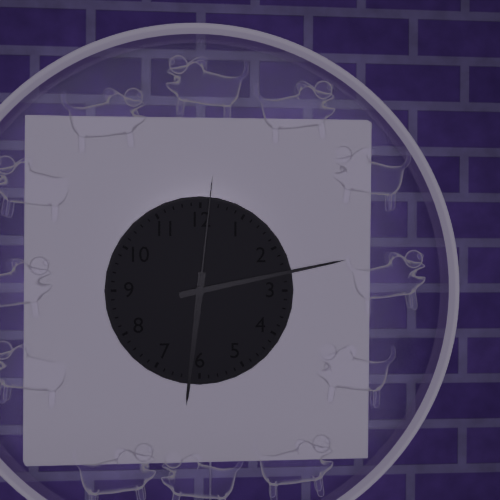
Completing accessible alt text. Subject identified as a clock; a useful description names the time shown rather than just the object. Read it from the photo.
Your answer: 6:13:01
